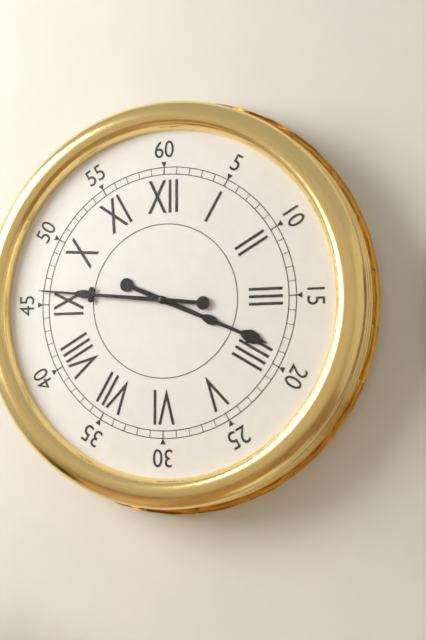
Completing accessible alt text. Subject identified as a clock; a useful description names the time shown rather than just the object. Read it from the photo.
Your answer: 3:46
